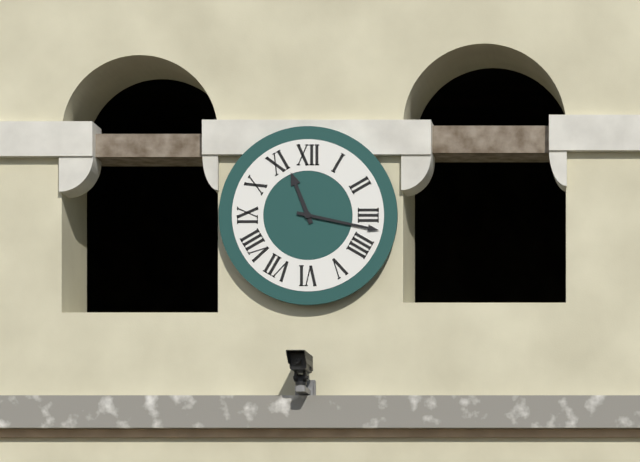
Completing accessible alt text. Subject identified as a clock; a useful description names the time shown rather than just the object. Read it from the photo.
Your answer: 11:17
